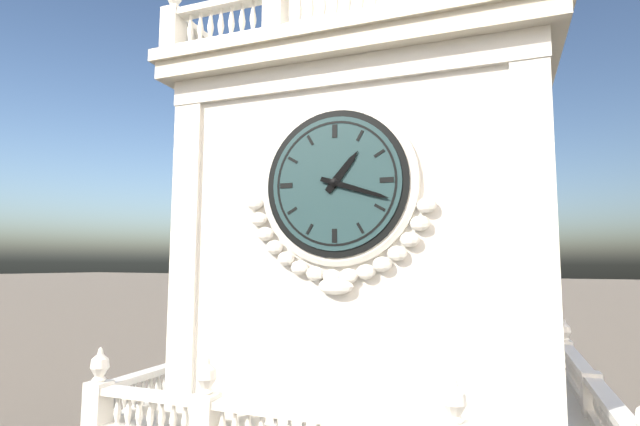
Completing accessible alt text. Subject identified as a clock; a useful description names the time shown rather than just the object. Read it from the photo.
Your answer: 1:18
